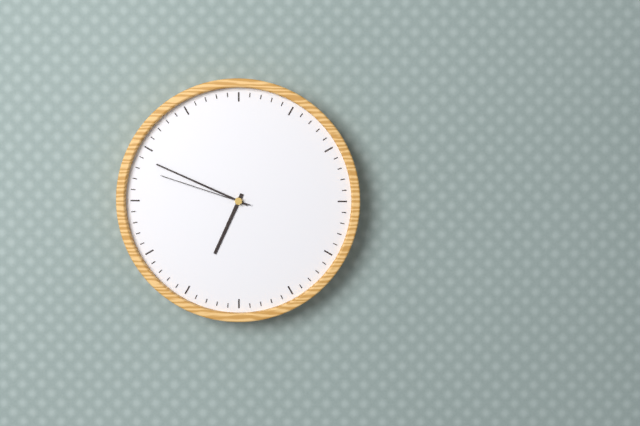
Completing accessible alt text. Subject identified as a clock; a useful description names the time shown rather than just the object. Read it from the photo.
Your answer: 6:49:48
